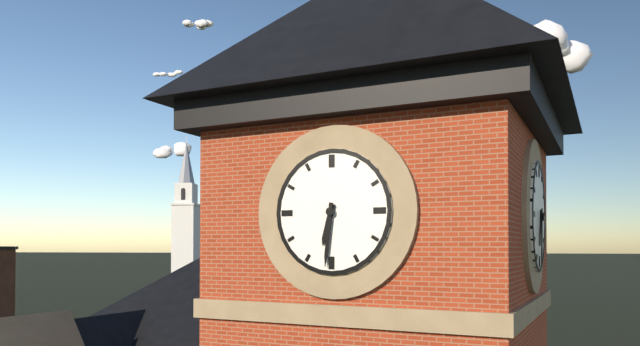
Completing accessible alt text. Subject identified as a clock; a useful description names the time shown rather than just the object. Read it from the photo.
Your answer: 6:31
